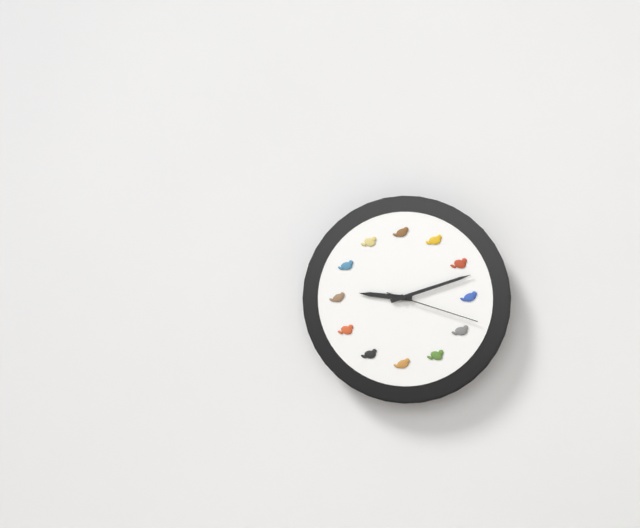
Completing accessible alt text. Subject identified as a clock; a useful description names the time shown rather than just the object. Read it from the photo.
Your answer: 9:12:18
